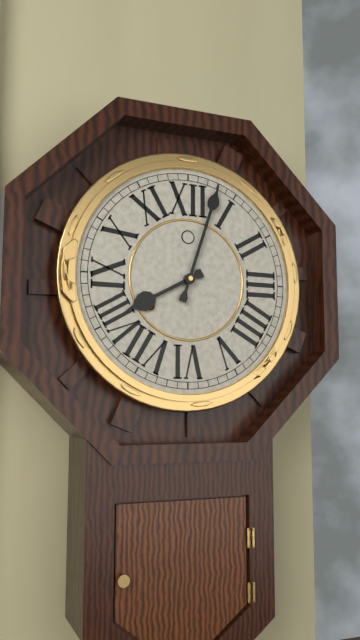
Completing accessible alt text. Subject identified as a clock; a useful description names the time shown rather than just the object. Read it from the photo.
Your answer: 8:03
